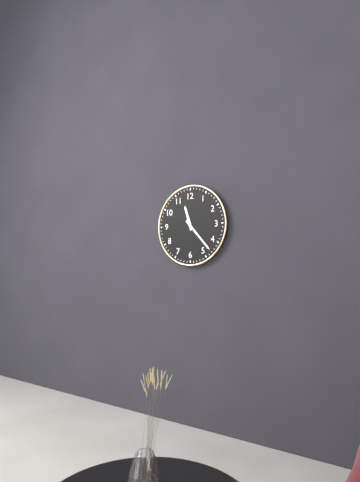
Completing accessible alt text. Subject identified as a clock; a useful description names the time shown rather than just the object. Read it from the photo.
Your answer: 11:23
